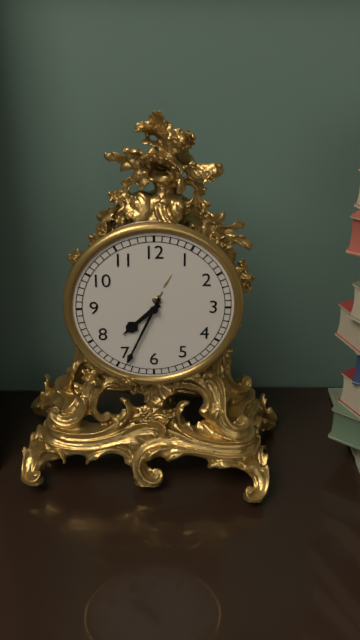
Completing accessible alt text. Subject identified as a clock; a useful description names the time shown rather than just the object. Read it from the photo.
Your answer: 7:34
